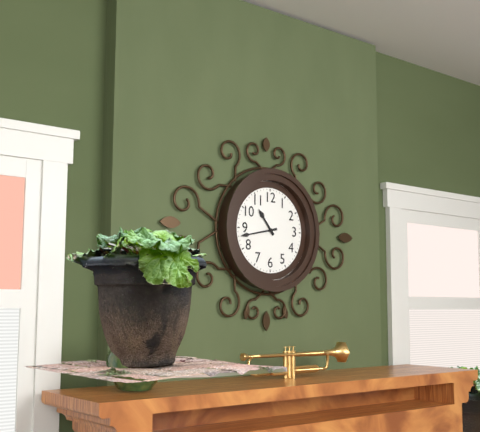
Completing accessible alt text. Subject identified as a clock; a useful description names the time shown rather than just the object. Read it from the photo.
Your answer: 10:43
